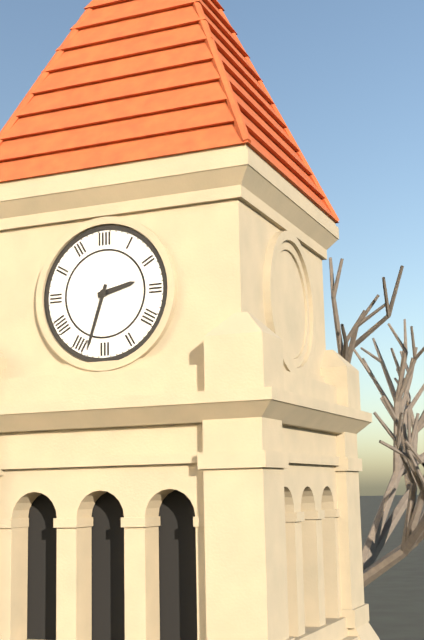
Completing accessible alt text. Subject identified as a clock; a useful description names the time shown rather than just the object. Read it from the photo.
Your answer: 2:33
